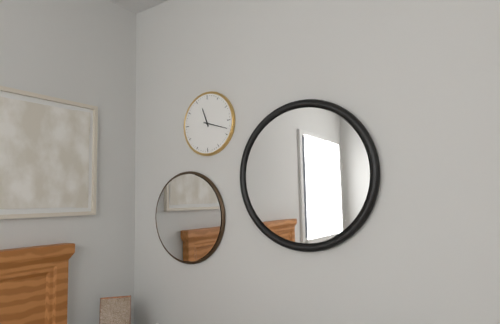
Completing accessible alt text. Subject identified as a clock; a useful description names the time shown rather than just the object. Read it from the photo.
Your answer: 11:18
